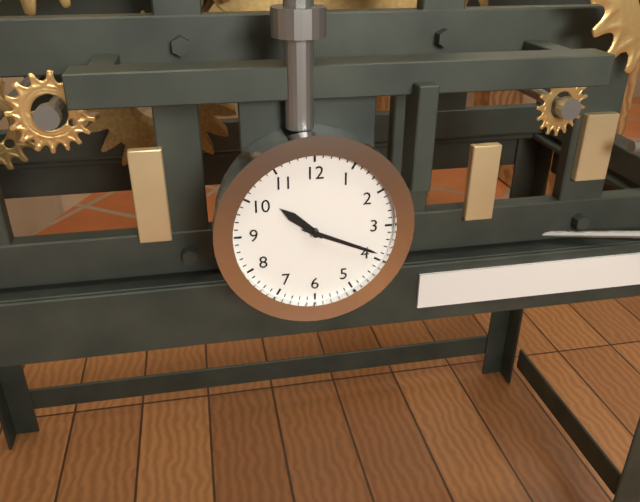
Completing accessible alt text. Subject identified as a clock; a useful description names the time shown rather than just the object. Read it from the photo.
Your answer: 10:19
